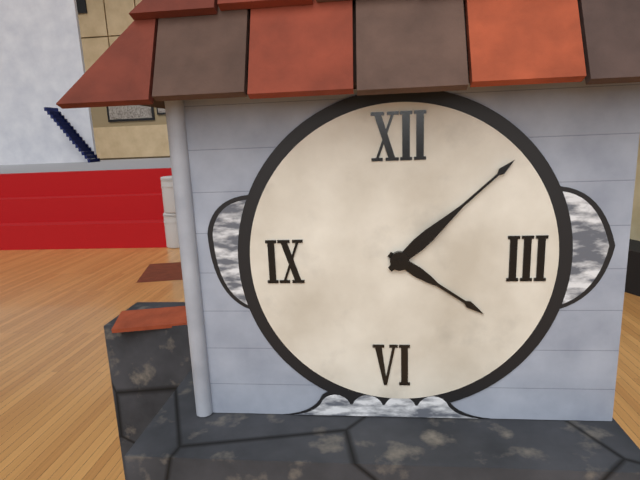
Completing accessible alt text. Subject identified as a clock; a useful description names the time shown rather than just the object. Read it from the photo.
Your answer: 4:08
